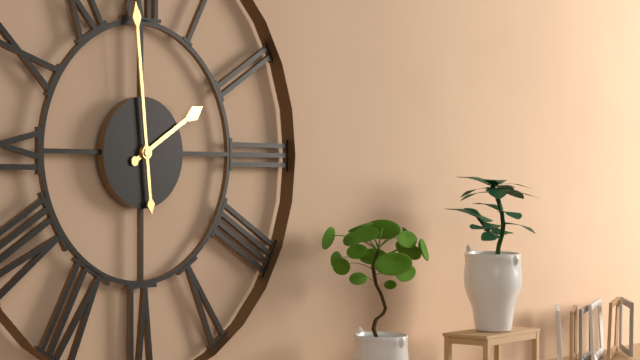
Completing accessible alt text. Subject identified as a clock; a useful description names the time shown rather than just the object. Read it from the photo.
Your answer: 1:59
